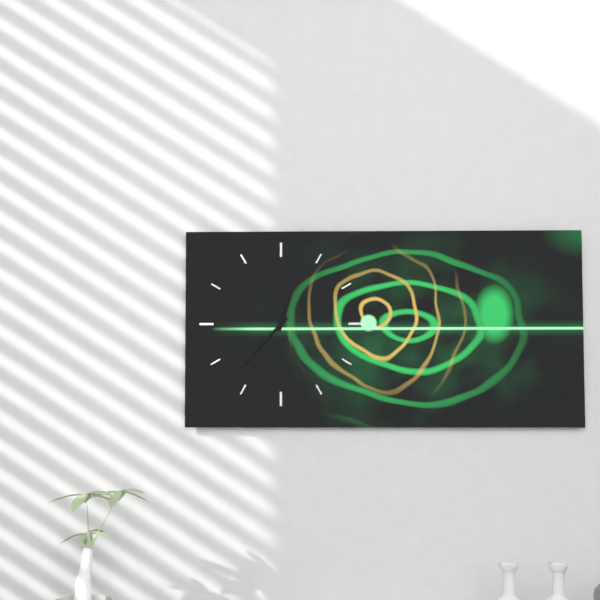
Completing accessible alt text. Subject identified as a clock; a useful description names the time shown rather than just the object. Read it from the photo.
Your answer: 12:37
